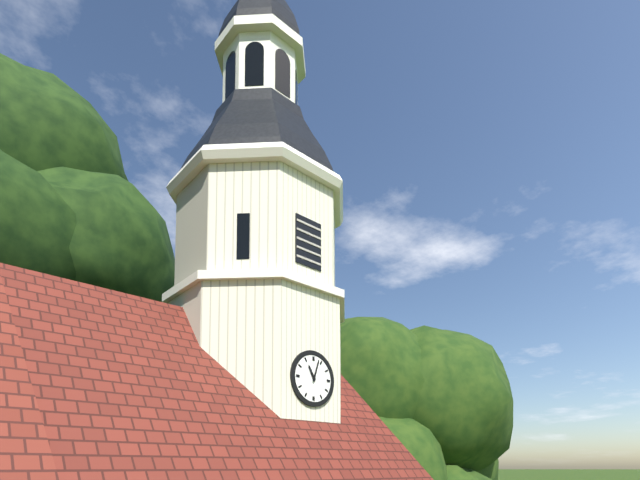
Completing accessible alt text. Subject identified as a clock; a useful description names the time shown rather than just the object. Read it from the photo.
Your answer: 11:03
